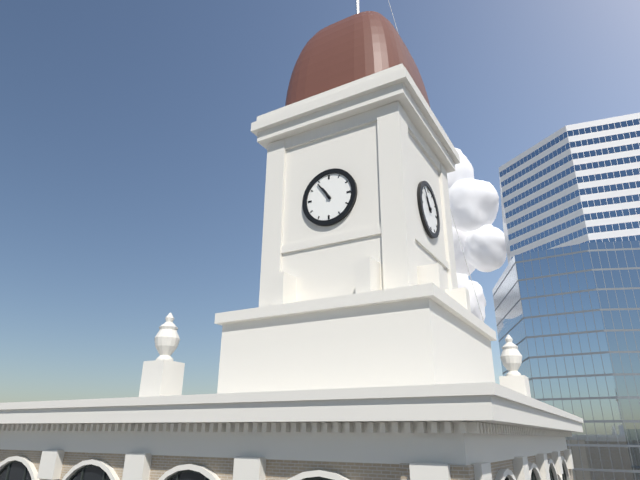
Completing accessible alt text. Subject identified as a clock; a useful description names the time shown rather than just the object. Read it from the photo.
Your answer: 10:54
